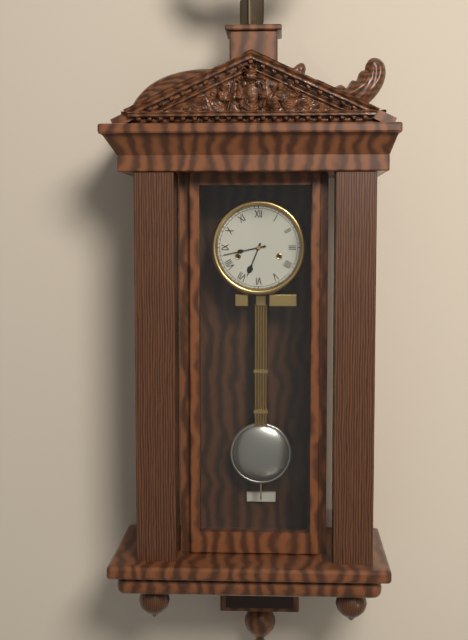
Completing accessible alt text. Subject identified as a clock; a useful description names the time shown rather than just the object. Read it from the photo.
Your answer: 6:43
